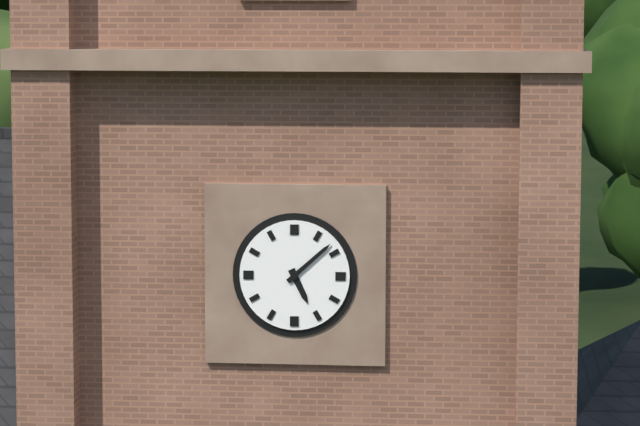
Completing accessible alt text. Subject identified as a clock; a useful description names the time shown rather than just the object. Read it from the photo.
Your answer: 5:08
